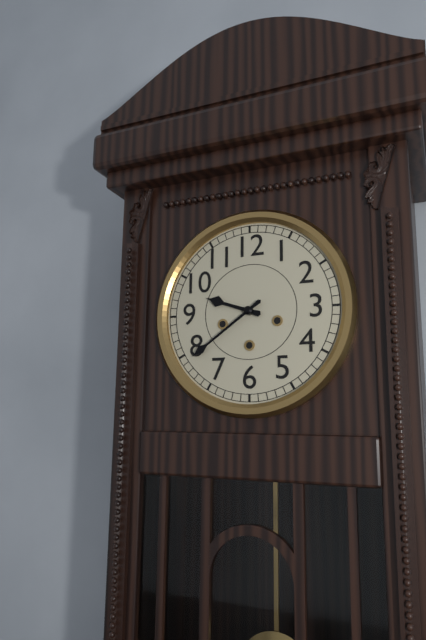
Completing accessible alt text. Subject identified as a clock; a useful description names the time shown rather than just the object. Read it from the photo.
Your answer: 9:39
